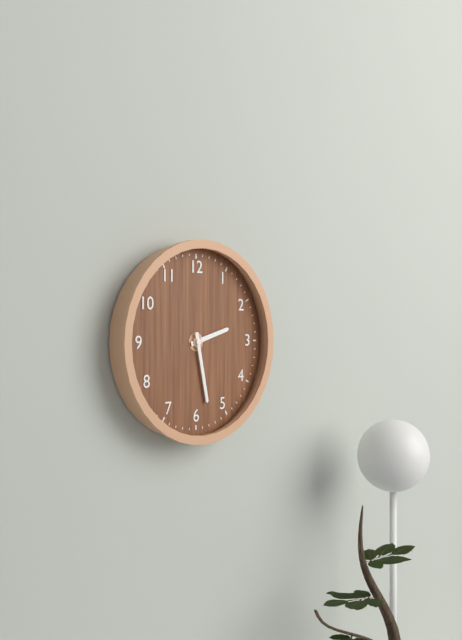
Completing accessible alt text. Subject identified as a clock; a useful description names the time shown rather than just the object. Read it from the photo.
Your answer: 2:28
